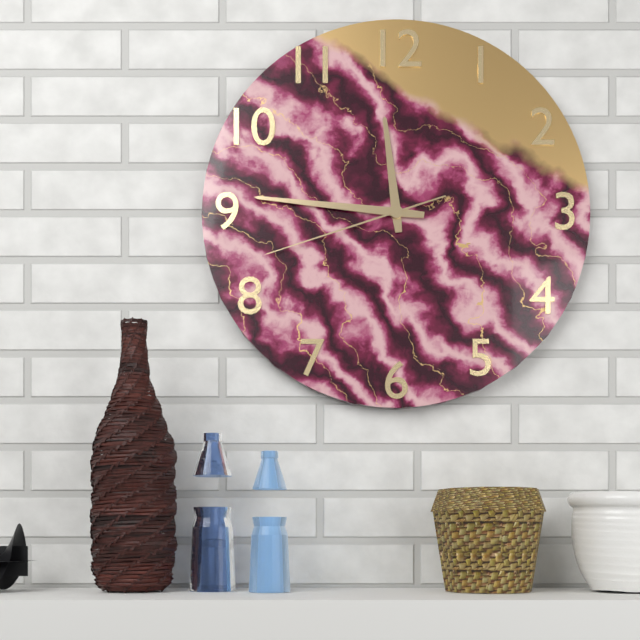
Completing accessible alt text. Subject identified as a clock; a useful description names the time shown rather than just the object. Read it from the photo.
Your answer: 11:46:42
